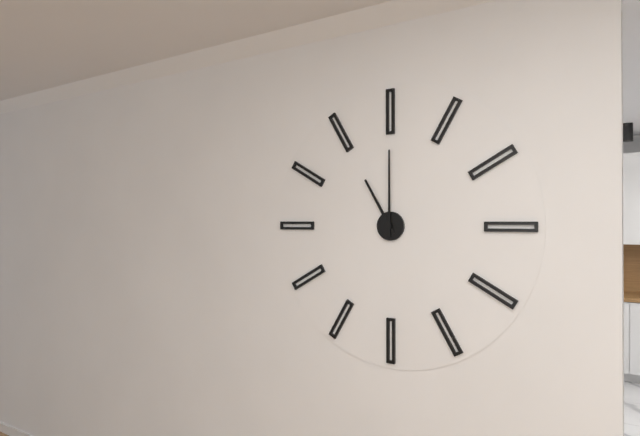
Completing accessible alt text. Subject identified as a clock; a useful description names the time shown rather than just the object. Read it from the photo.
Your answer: 11:00
